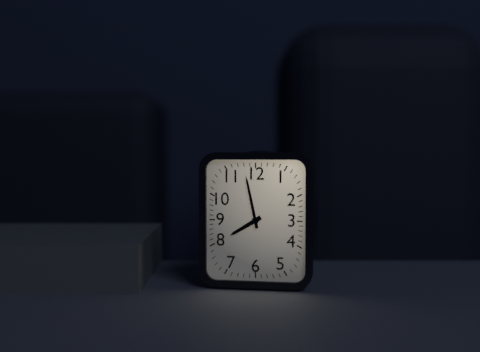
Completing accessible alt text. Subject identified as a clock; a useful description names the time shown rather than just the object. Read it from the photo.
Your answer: 7:58
